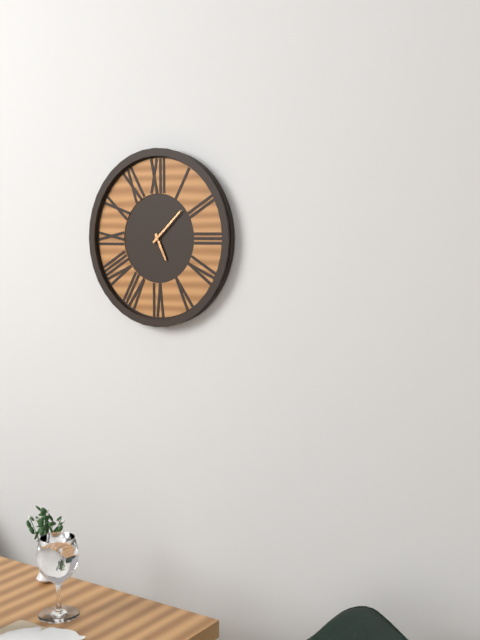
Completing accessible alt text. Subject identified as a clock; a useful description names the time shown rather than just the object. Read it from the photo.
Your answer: 5:08
